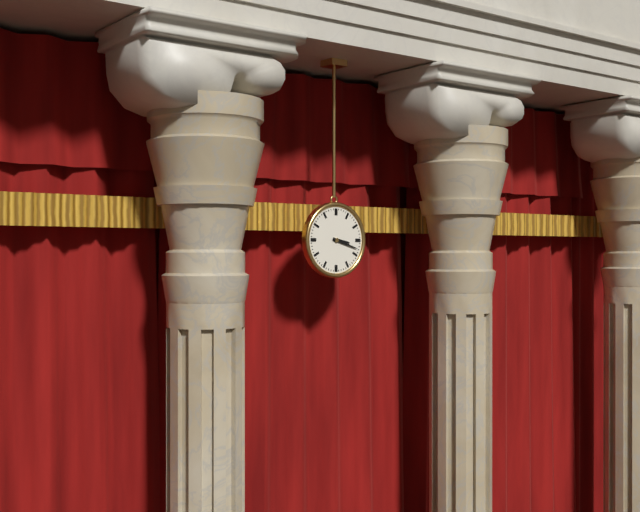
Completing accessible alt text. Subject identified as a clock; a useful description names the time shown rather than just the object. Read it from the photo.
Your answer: 3:18
